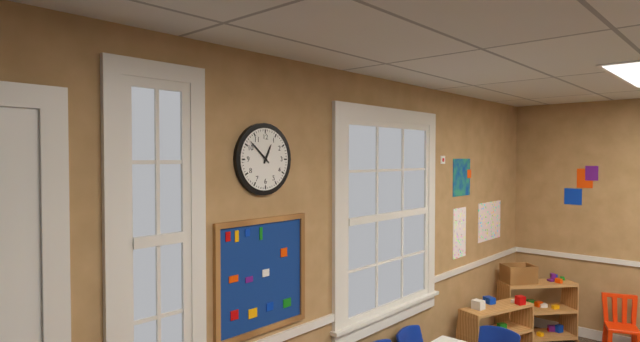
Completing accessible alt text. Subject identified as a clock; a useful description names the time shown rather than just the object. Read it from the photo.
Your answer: 12:52
